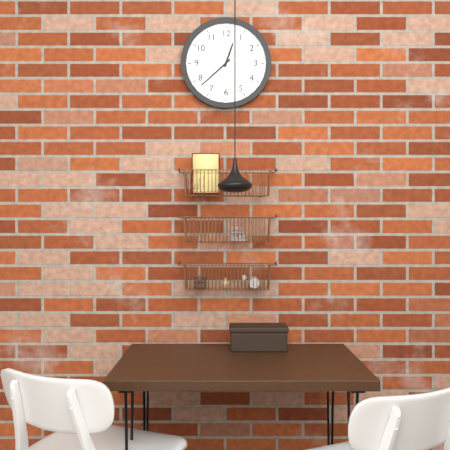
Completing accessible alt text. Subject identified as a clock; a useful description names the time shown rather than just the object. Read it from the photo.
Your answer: 12:38
